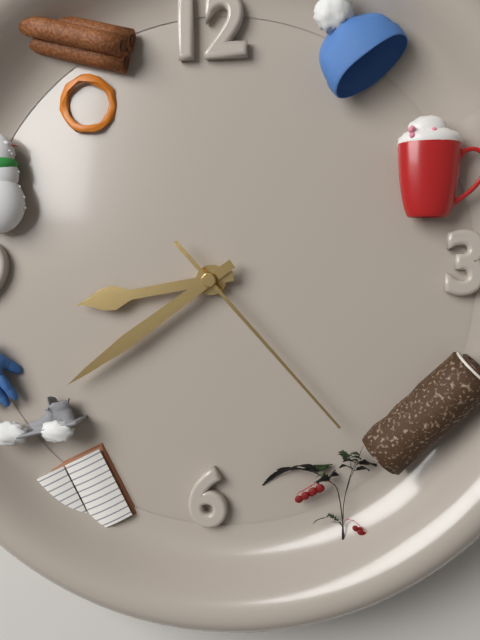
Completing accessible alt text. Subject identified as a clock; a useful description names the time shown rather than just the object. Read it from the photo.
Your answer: 8:39:23
